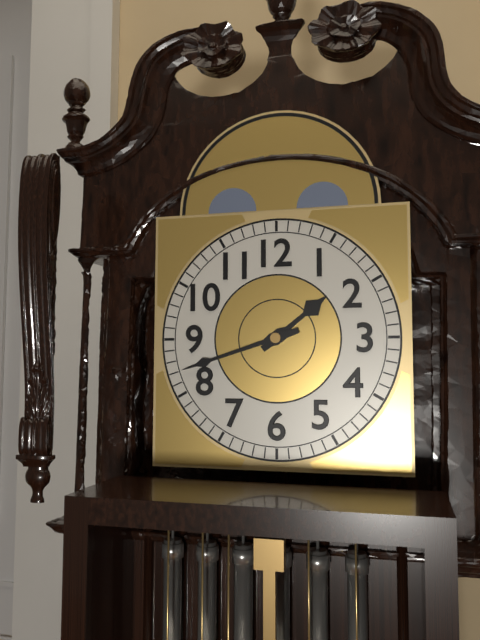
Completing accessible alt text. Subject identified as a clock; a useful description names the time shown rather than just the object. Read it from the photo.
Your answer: 1:42
